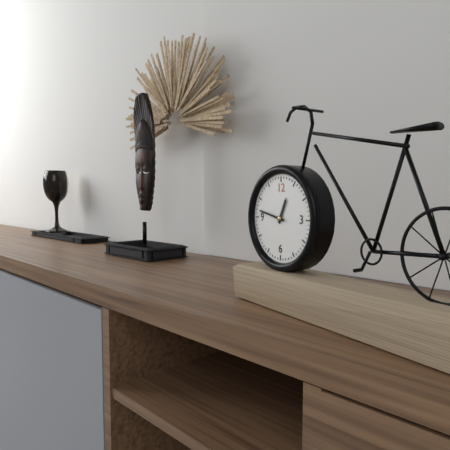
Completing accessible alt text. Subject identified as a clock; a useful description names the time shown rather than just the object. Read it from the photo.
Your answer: 12:47
